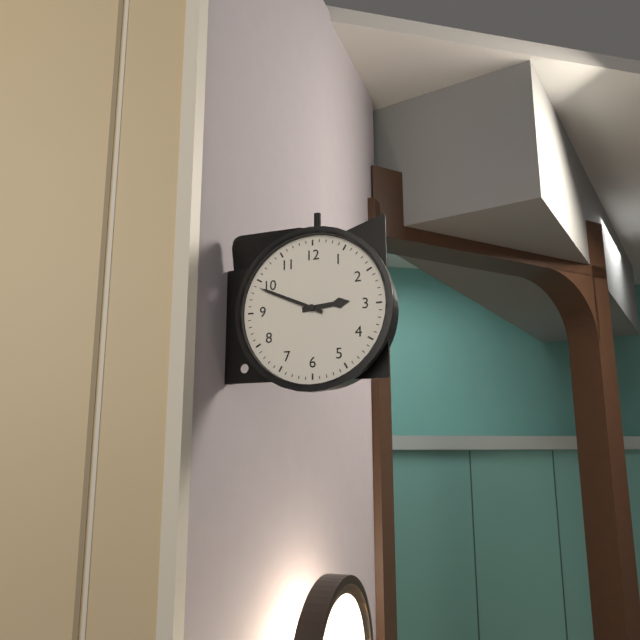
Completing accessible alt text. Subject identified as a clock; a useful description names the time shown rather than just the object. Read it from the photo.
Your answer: 2:49
